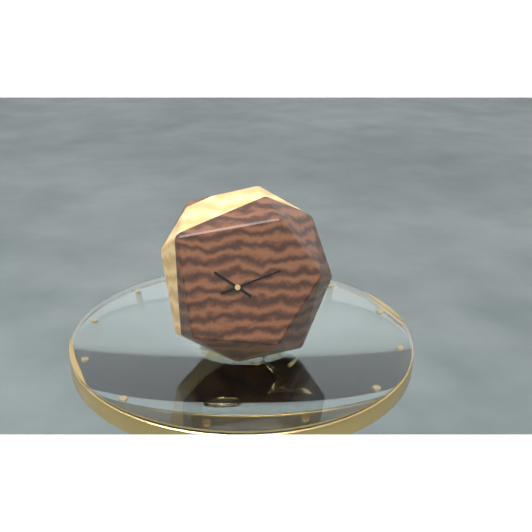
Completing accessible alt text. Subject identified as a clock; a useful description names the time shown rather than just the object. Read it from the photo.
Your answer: 10:12
